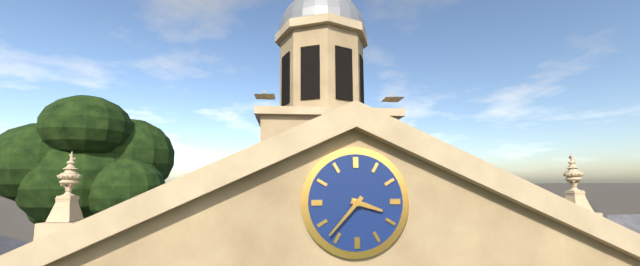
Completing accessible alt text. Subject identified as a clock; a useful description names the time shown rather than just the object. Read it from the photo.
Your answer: 3:37
